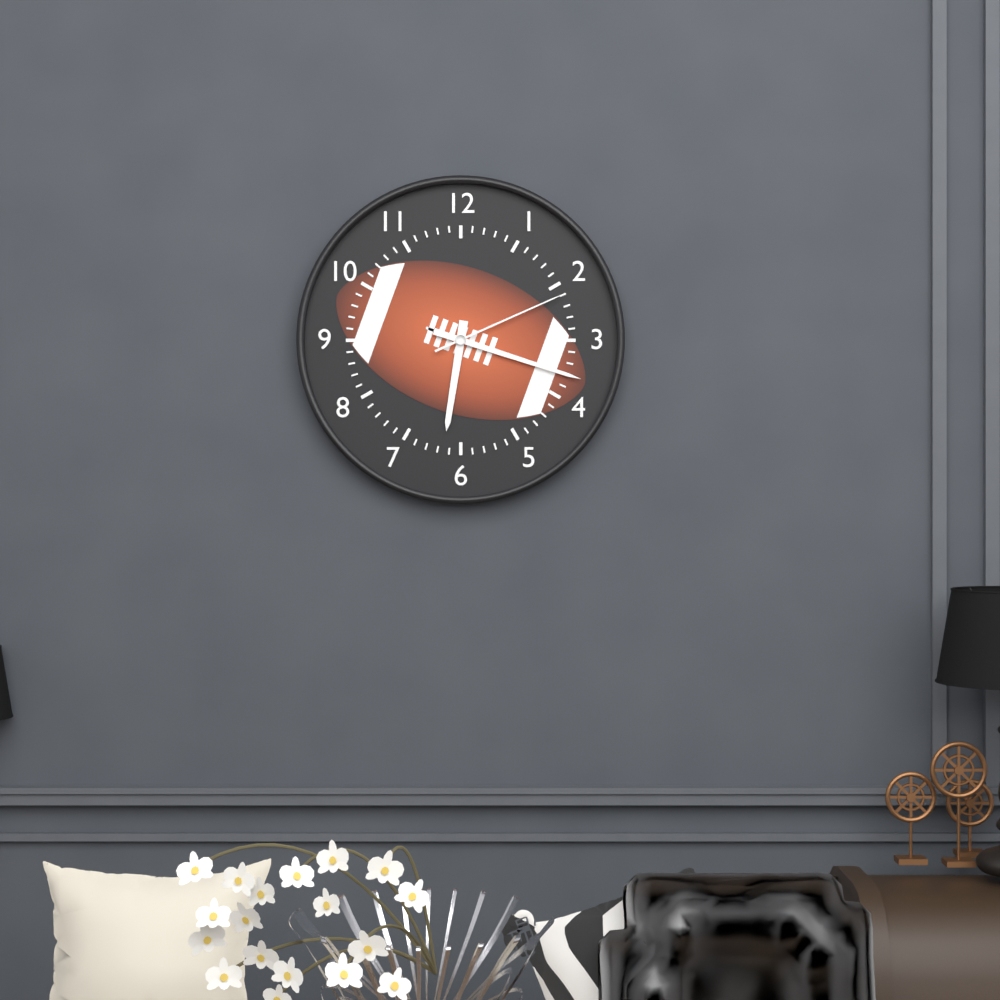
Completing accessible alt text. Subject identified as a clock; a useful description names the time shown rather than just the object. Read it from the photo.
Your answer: 6:18:11
